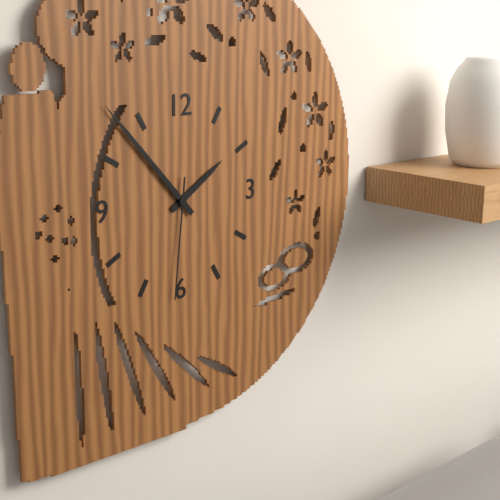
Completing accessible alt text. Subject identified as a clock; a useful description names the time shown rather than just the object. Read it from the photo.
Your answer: 1:53:31
